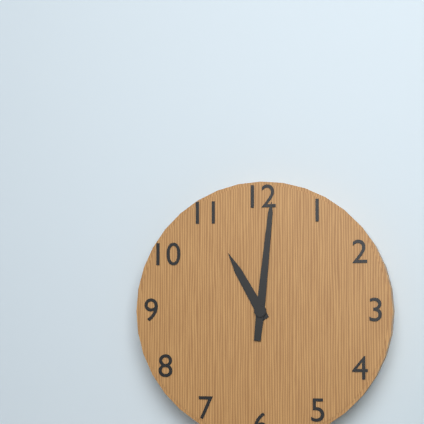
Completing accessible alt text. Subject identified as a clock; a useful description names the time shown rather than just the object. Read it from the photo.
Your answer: 11:01
